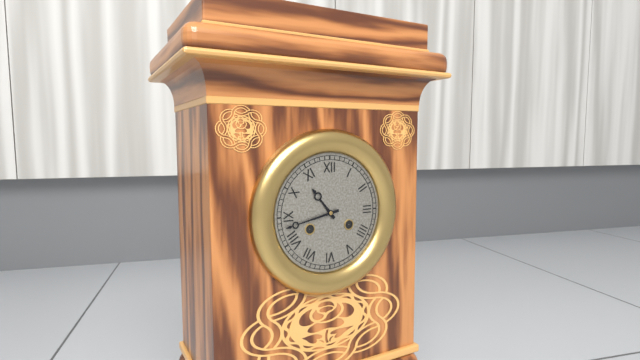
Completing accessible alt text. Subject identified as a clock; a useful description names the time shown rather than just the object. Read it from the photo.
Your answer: 10:43
